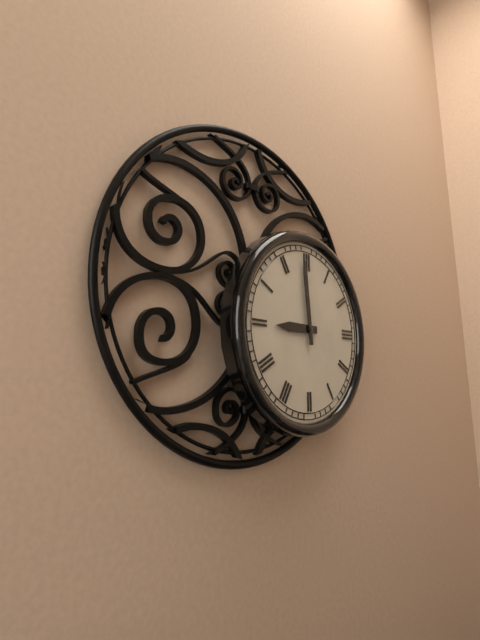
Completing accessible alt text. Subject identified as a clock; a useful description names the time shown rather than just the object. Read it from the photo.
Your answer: 8:59
